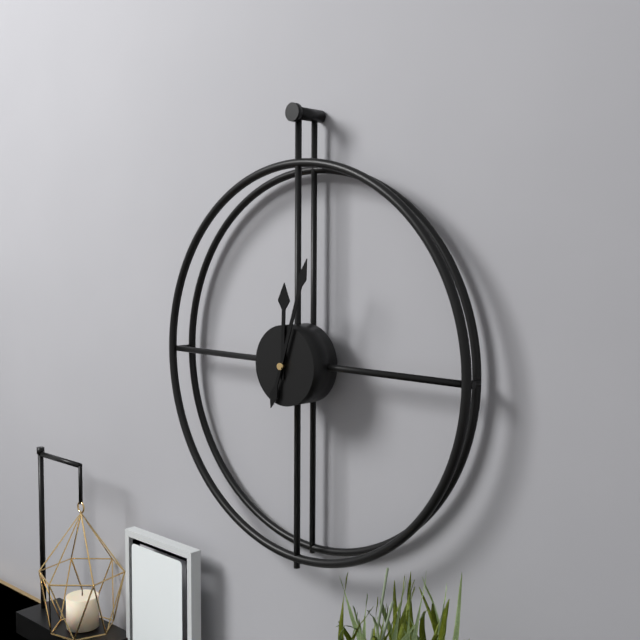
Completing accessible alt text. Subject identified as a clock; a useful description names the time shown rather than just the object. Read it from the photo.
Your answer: 12:03
